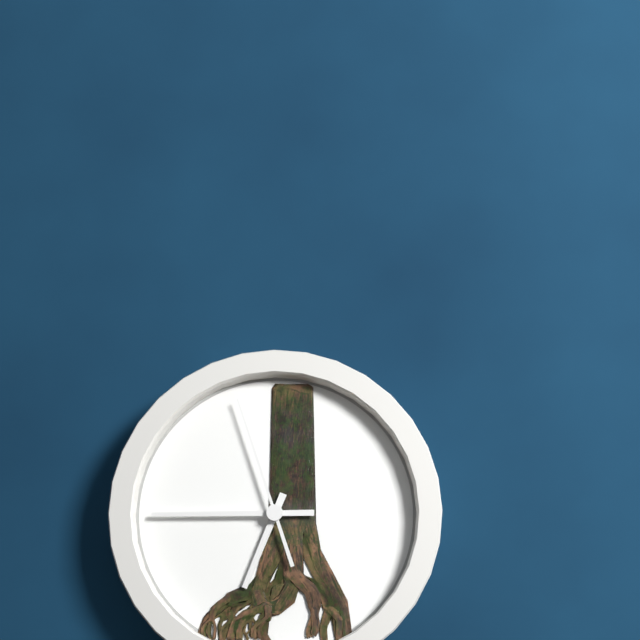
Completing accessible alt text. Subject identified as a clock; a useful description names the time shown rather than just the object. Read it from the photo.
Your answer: 6:45:57
